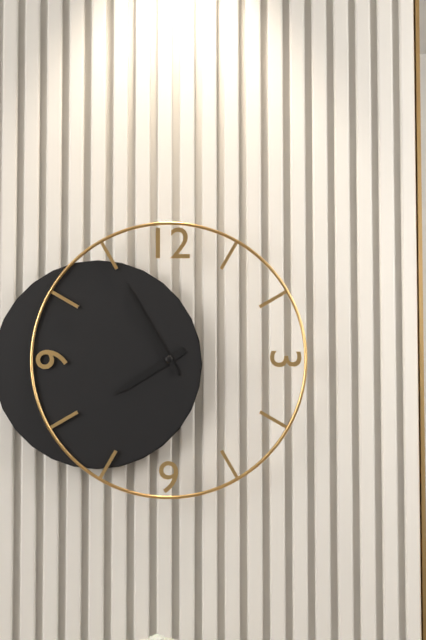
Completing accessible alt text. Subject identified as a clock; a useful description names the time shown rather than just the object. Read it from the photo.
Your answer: 7:55
